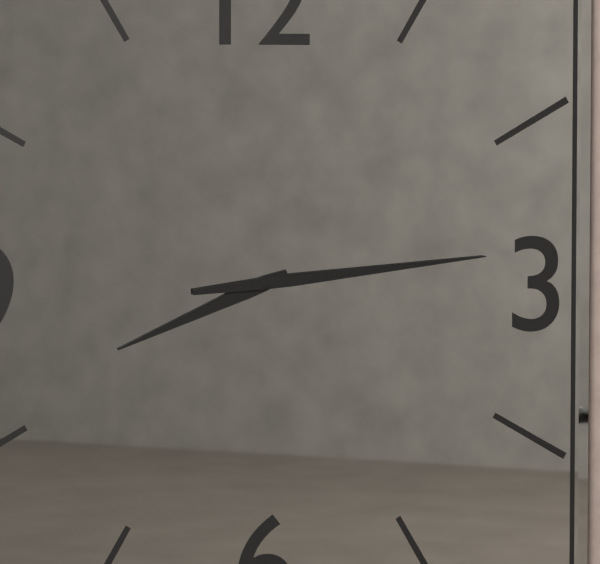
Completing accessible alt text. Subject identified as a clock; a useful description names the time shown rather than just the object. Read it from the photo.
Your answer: 8:14
